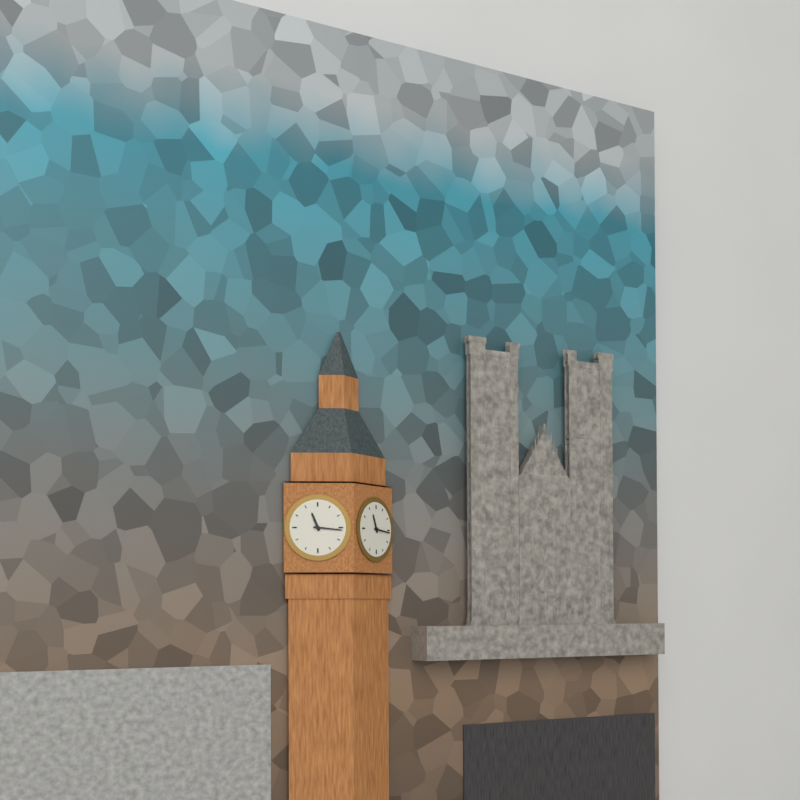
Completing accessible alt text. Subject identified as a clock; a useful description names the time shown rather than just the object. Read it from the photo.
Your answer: 11:16
